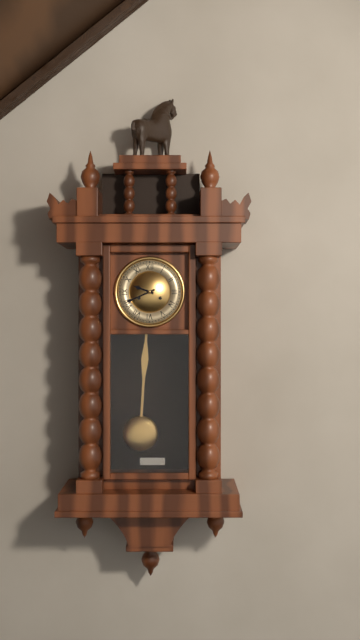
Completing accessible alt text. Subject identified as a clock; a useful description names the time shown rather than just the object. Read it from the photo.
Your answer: 9:41
